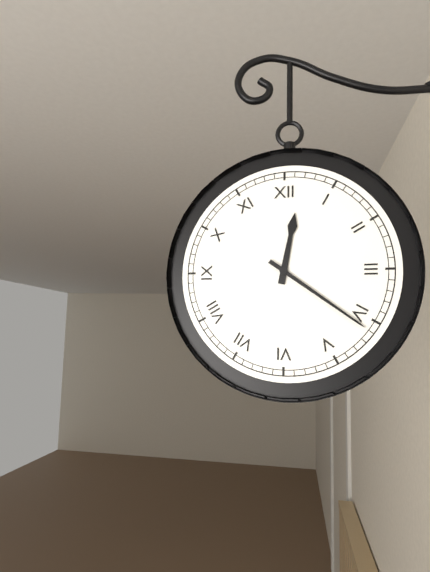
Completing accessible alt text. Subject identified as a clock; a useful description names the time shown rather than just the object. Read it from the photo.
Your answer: 12:21
